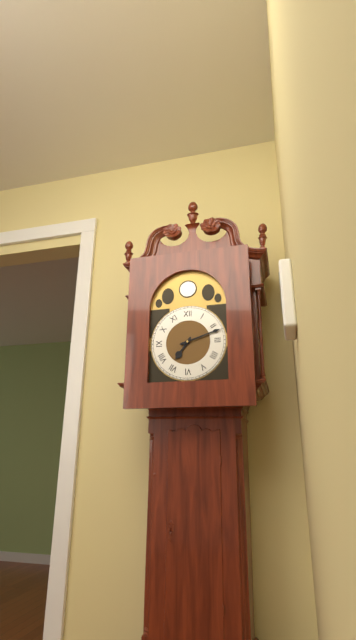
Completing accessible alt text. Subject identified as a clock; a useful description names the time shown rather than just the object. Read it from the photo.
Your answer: 7:12
